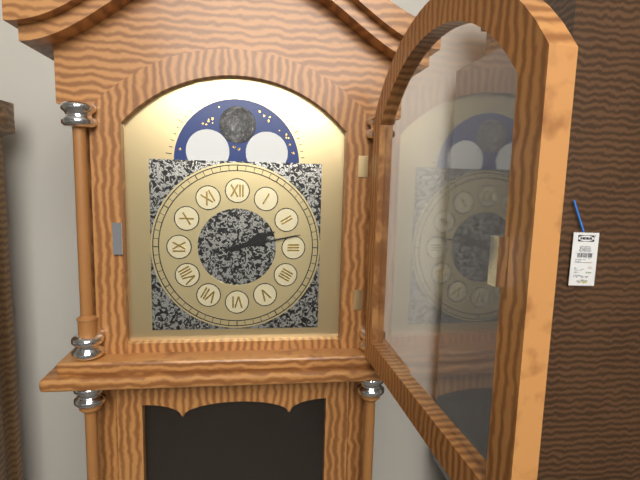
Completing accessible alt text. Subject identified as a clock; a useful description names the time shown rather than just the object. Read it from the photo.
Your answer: 2:13
